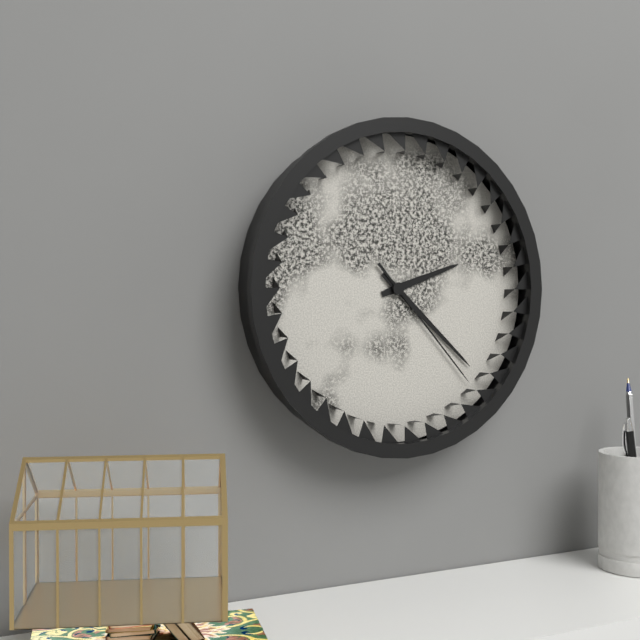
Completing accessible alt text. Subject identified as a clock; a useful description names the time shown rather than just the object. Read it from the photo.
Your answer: 2:22:23
